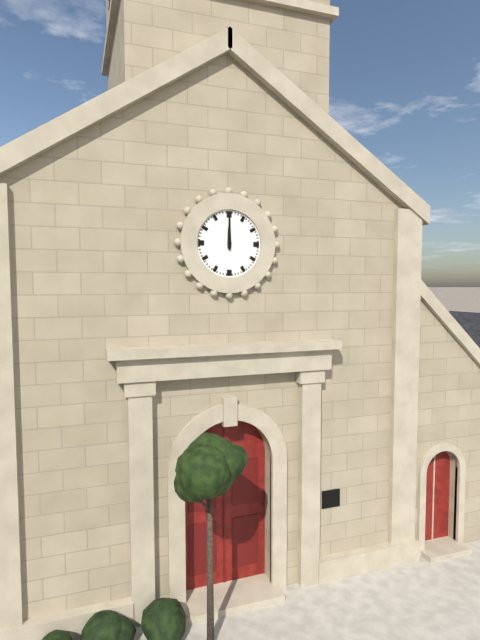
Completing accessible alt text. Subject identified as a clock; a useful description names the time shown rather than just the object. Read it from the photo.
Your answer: 12:00
